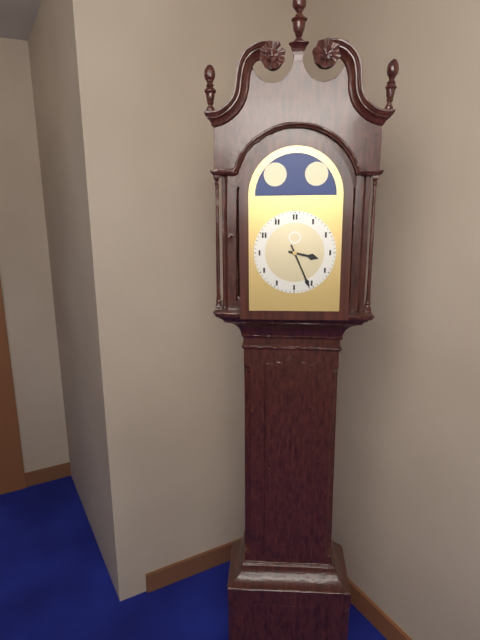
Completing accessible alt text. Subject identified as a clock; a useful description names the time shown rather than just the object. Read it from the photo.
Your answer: 3:26
